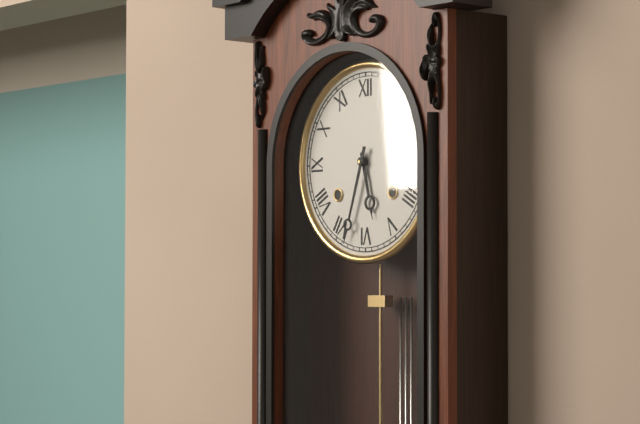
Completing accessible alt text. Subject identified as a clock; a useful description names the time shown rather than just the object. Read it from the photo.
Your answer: 5:33
